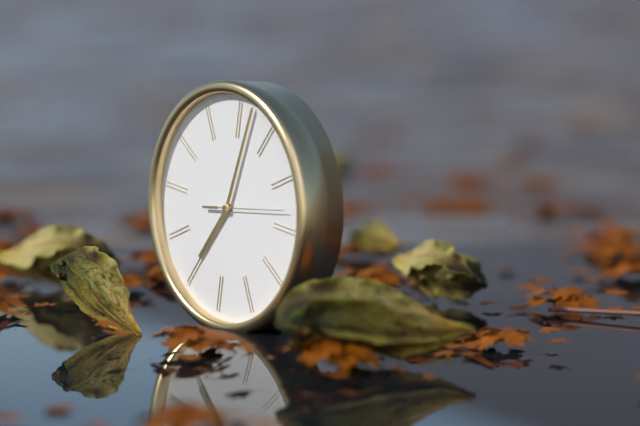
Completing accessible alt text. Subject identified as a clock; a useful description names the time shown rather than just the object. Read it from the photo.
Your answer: 7:02:13
